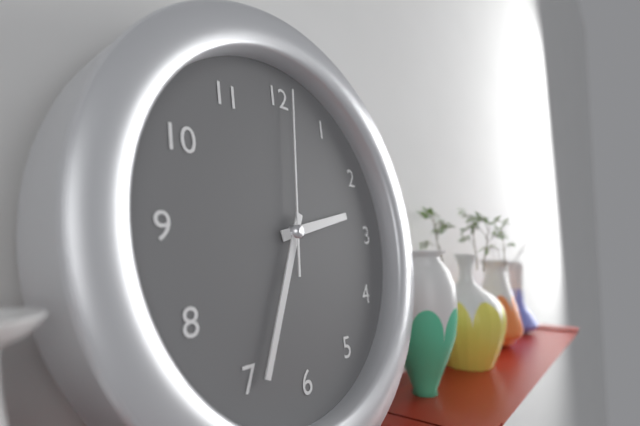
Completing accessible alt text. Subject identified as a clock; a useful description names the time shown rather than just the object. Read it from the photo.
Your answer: 2:34:01
